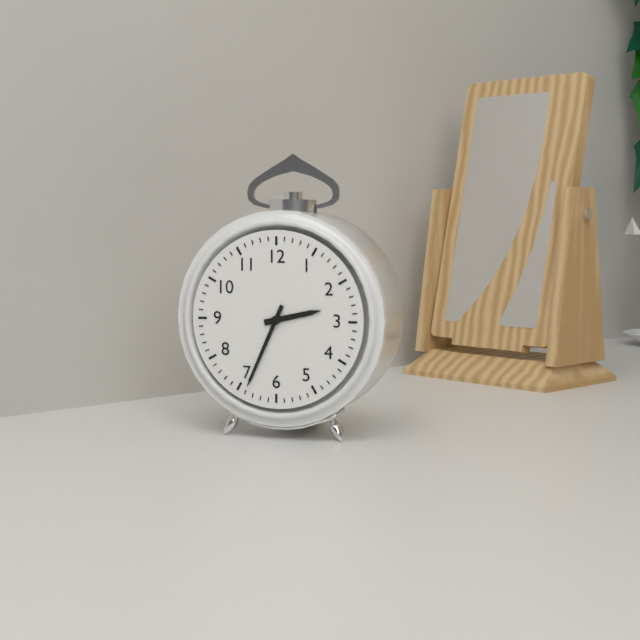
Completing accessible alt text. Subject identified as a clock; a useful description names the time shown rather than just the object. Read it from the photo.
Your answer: 2:34
